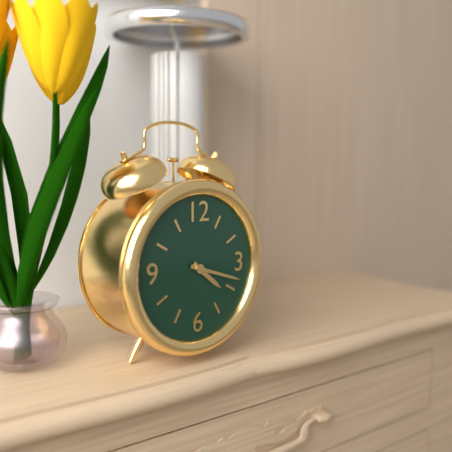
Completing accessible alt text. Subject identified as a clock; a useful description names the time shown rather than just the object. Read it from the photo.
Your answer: 4:18
